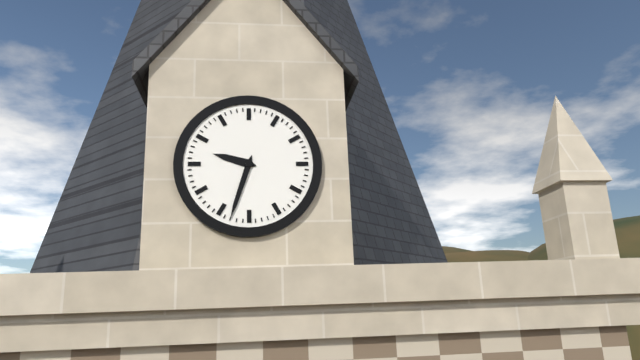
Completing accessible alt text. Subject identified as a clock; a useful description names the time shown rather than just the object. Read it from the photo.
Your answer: 9:33
